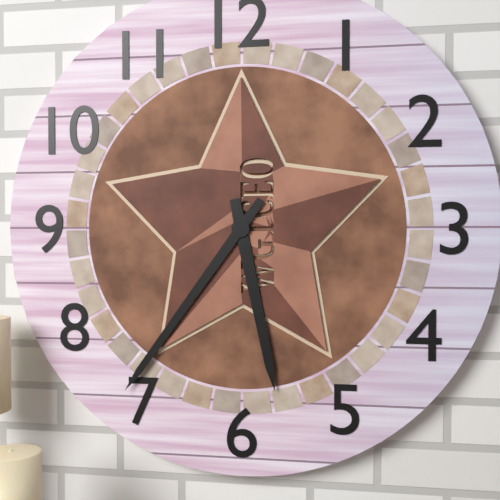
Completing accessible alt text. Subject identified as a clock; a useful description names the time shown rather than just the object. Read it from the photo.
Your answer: 5:36
